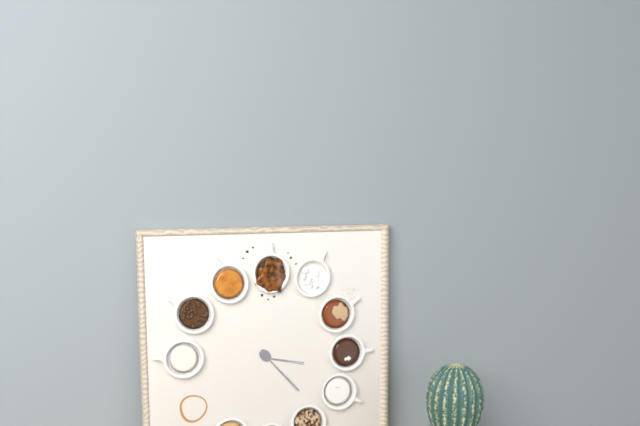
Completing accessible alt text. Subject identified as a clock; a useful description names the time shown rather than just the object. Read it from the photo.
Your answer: 3:23
